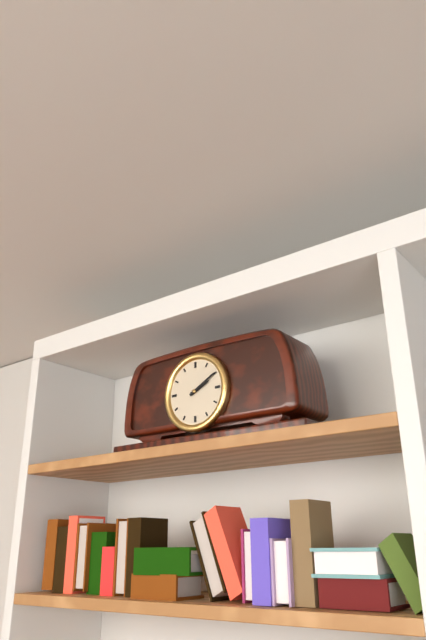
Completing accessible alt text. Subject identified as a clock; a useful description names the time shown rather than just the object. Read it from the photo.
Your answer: 2:10
